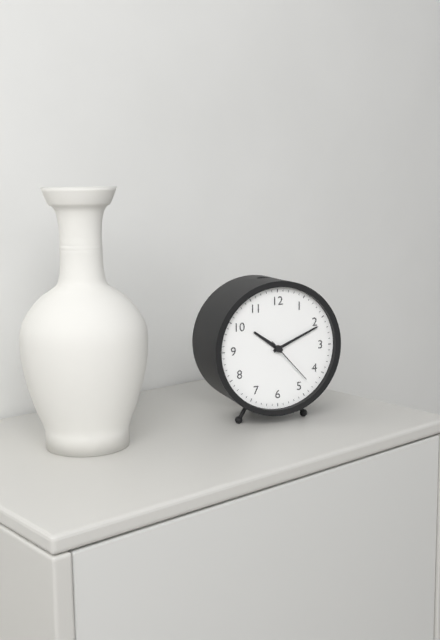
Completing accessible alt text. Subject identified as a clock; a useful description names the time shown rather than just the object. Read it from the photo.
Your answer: 10:11:23
